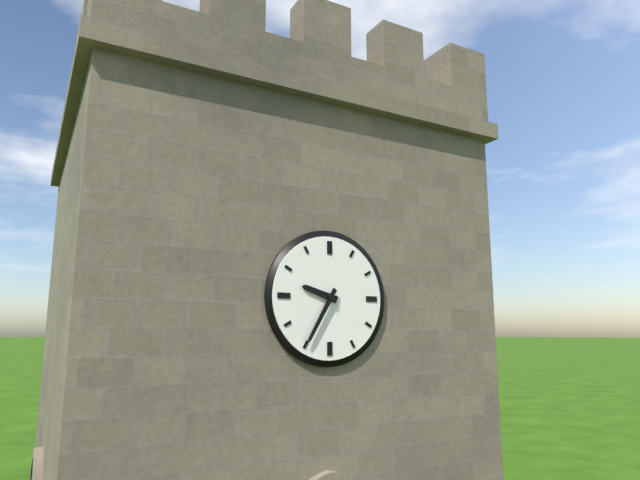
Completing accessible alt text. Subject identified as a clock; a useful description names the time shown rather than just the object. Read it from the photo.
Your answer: 9:35
